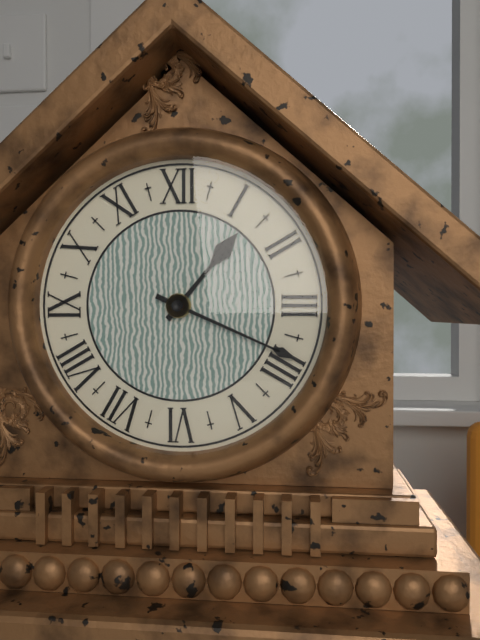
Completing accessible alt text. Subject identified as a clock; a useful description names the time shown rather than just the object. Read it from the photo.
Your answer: 1:19
